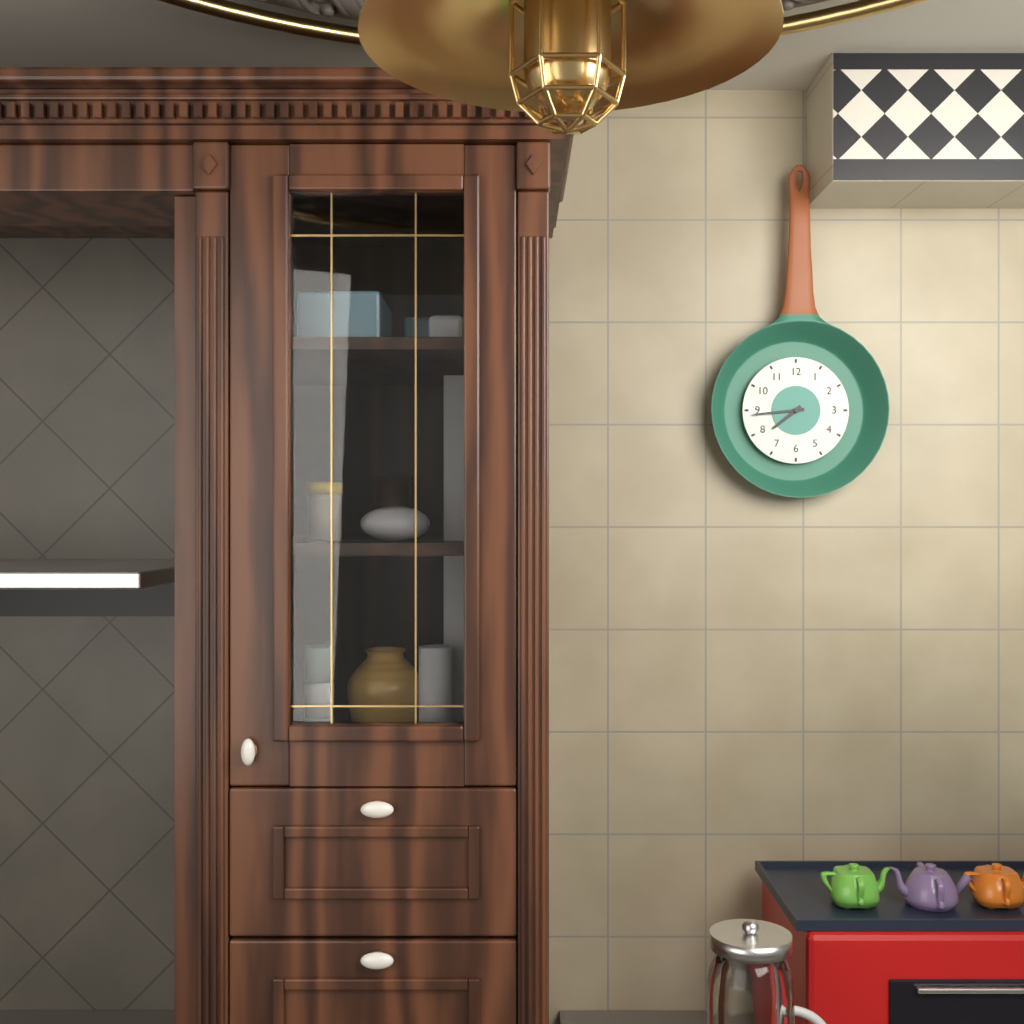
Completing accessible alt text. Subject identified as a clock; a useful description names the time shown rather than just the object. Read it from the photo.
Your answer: 7:44
